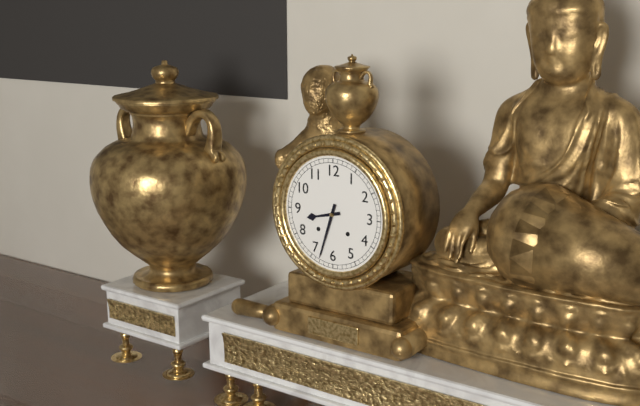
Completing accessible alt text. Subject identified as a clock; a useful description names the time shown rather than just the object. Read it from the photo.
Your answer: 8:33
